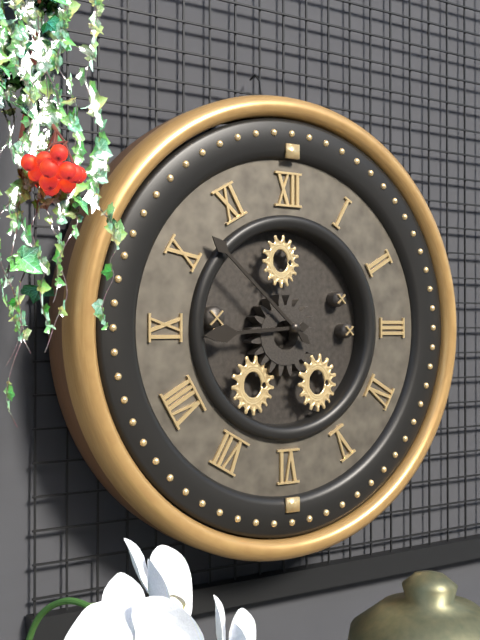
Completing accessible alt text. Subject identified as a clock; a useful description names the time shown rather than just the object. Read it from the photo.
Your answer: 8:52
